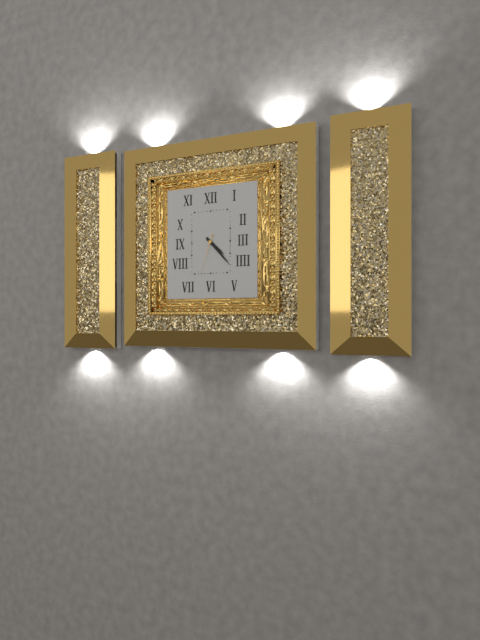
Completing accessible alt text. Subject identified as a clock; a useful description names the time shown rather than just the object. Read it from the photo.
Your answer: 4:23
